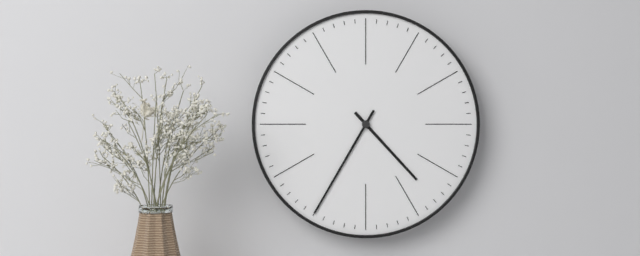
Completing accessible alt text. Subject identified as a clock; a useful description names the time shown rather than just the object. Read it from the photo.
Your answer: 4:35
